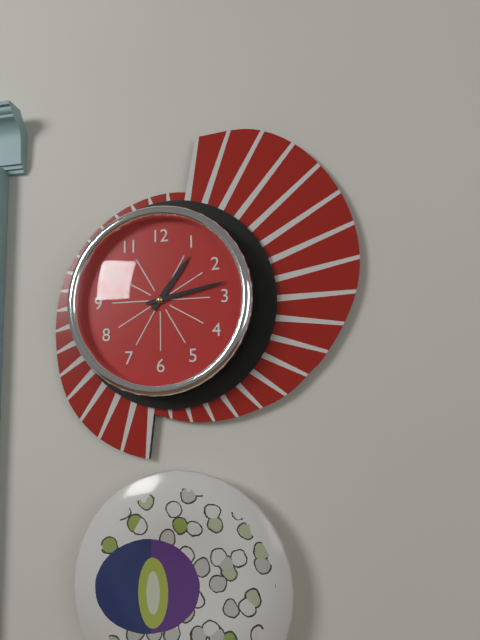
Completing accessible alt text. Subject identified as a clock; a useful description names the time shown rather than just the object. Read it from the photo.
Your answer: 1:13
